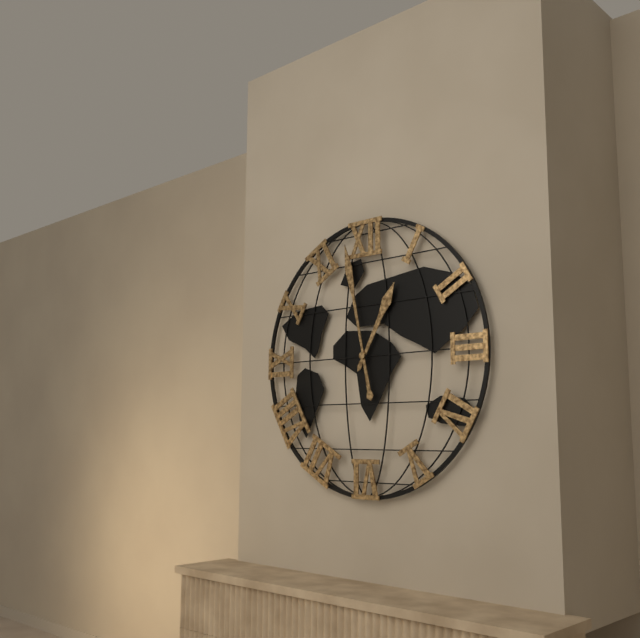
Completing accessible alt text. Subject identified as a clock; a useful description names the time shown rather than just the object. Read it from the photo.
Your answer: 12:58
